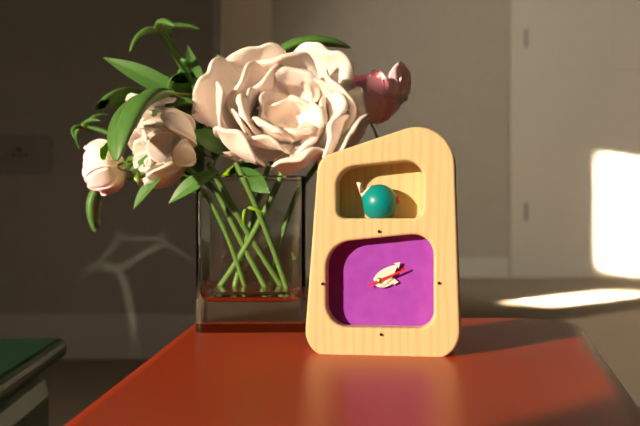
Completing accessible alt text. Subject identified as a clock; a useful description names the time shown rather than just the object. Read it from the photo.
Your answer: 3:08
